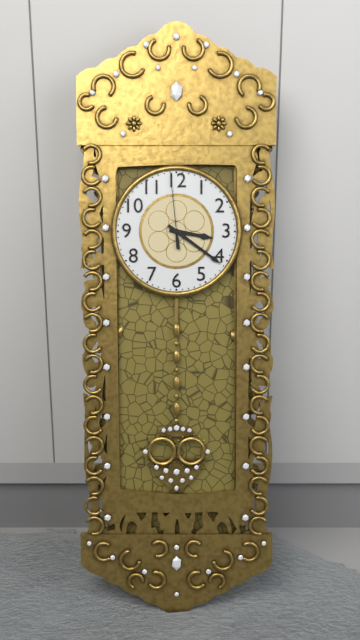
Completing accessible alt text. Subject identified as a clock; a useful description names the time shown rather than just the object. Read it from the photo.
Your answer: 3:21:59
